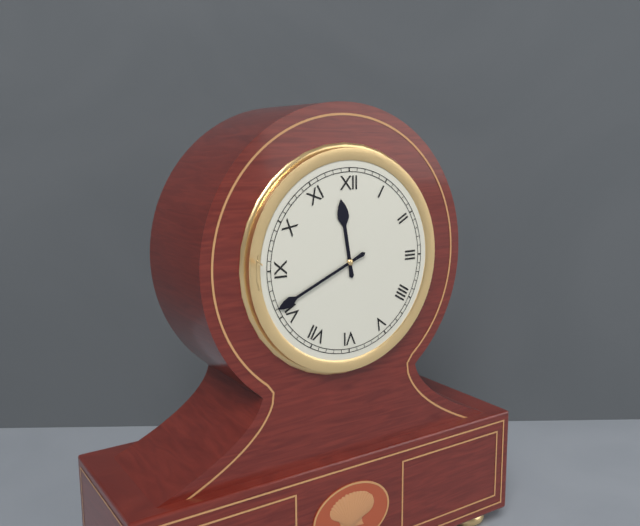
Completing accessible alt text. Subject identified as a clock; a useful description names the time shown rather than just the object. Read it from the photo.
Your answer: 11:41
